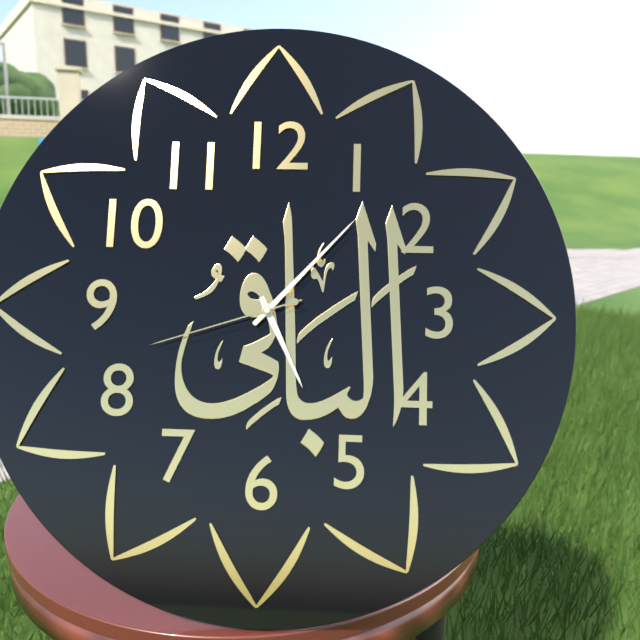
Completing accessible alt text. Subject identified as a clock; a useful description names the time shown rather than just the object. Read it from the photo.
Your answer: 5:07:42
